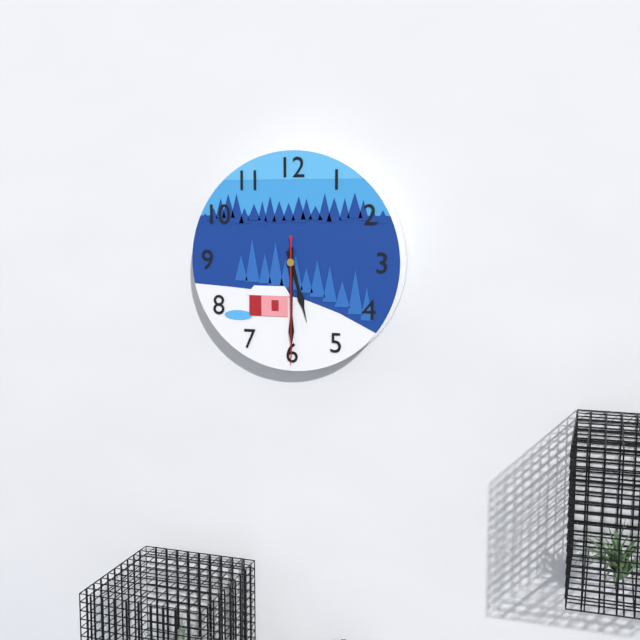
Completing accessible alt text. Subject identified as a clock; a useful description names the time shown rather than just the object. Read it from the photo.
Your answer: 5:30:30
